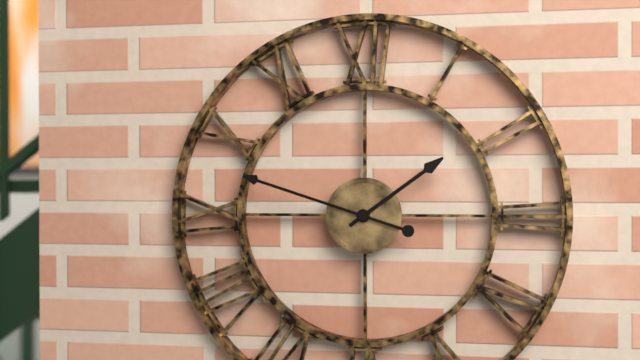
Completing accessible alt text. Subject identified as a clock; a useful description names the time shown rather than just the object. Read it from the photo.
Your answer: 1:48
